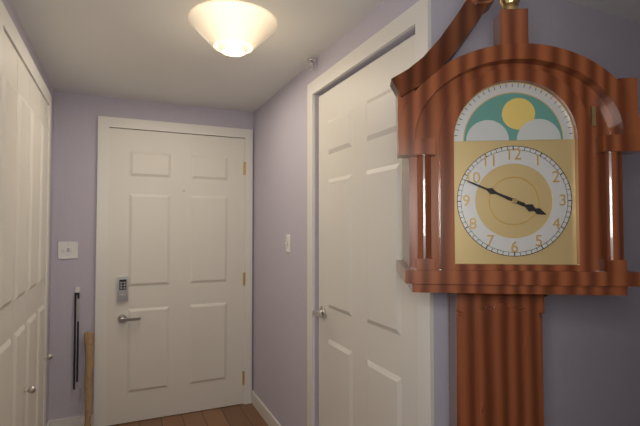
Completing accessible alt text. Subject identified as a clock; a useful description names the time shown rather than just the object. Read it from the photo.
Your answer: 3:49
